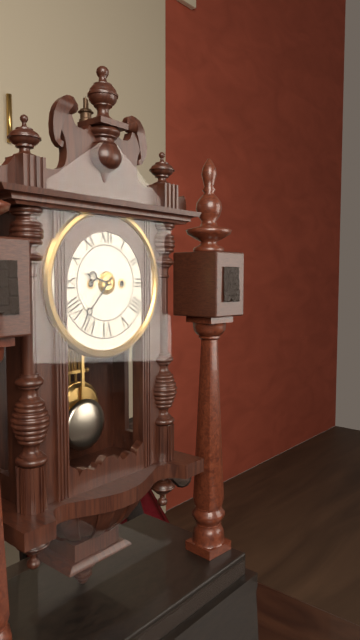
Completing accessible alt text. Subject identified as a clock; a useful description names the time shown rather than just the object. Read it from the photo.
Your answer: 9:37
